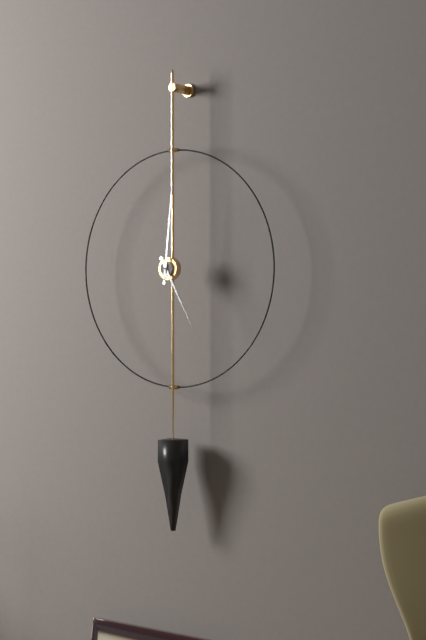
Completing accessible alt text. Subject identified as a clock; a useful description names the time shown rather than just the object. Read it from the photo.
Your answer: 5:01
